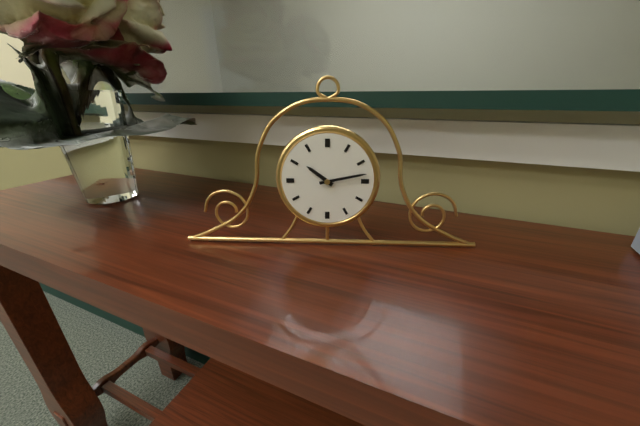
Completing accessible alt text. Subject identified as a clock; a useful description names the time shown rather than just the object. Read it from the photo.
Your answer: 10:13
